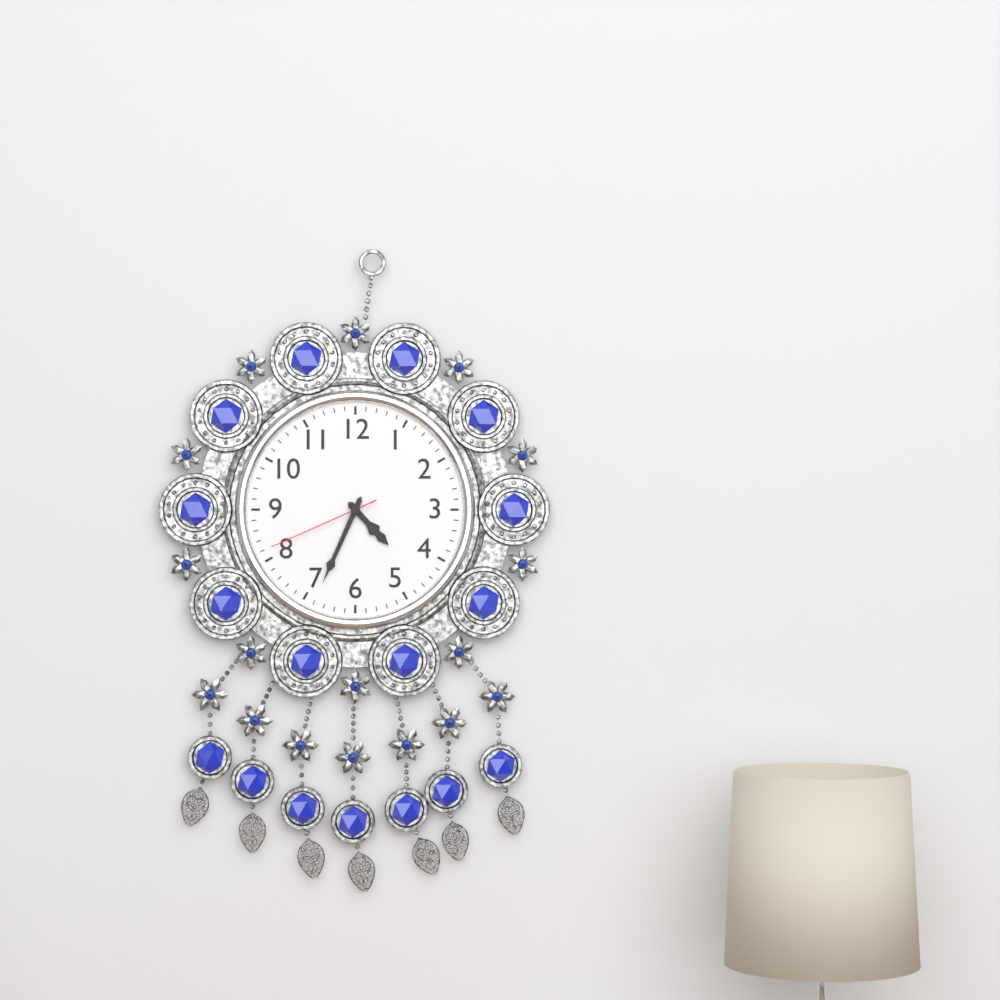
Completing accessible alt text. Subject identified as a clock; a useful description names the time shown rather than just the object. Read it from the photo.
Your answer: 4:34:41
